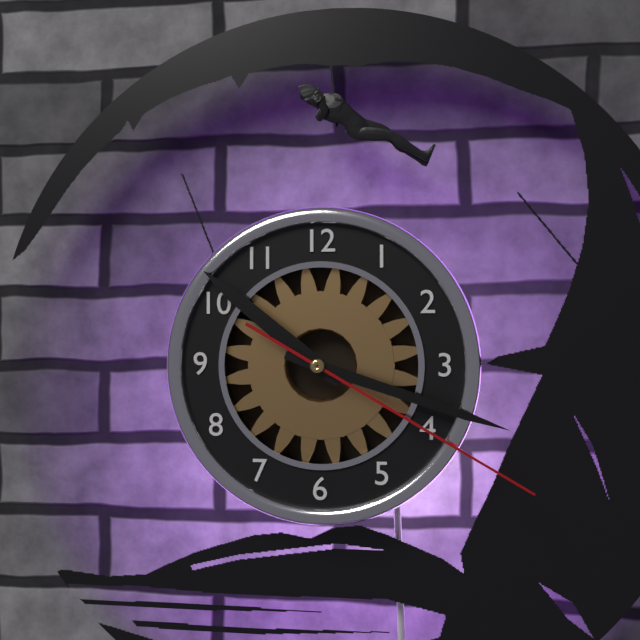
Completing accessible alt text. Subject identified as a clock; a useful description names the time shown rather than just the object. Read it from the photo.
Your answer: 10:18:20
